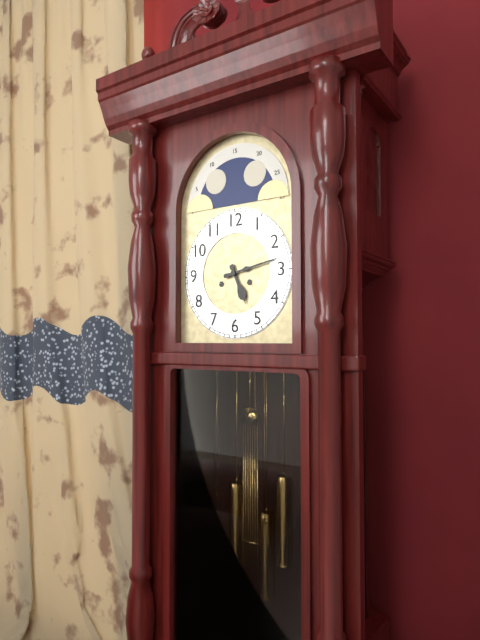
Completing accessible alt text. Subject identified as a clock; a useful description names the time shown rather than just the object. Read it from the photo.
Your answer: 5:13
